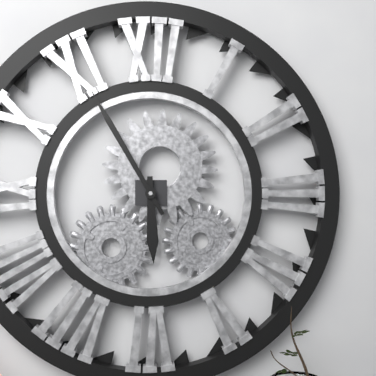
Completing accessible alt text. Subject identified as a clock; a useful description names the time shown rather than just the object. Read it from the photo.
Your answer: 5:55
